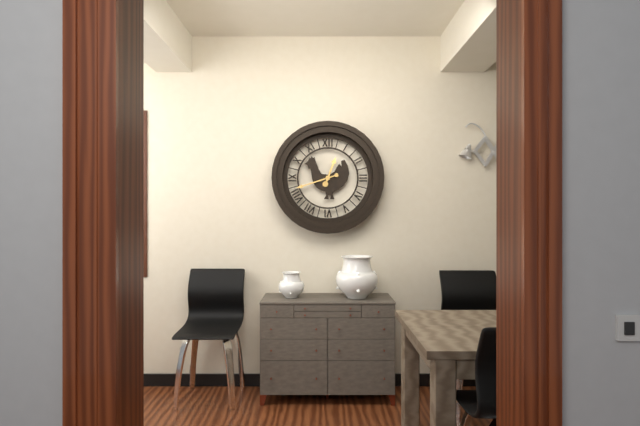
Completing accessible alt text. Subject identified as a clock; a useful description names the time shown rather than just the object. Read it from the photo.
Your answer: 12:42
